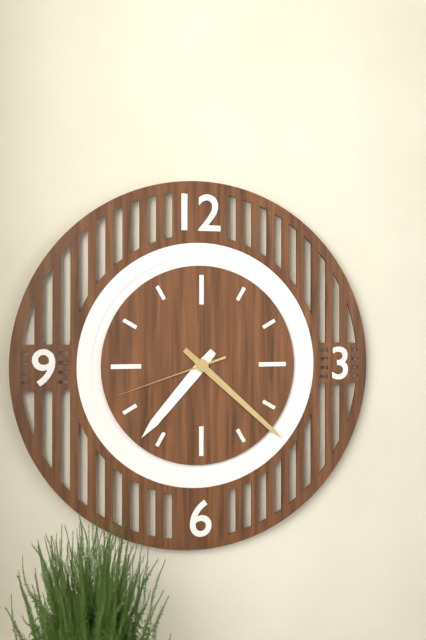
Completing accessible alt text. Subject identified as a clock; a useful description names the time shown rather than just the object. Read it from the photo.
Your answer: 7:22:42
